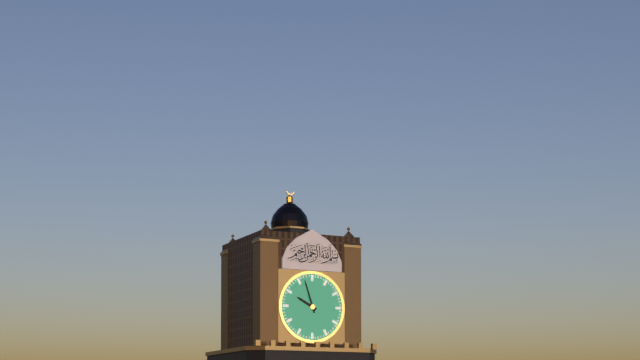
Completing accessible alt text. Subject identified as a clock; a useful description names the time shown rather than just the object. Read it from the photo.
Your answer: 9:57
